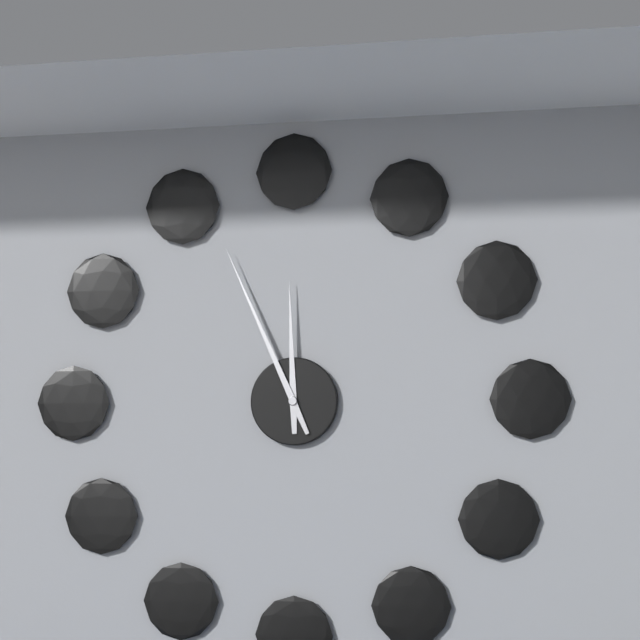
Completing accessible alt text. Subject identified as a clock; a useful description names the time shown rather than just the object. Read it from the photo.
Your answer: 11:56
